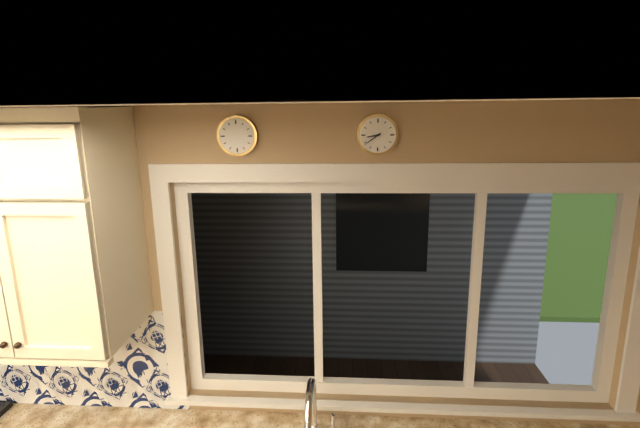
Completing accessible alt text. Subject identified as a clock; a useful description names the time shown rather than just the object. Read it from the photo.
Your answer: 8:39
